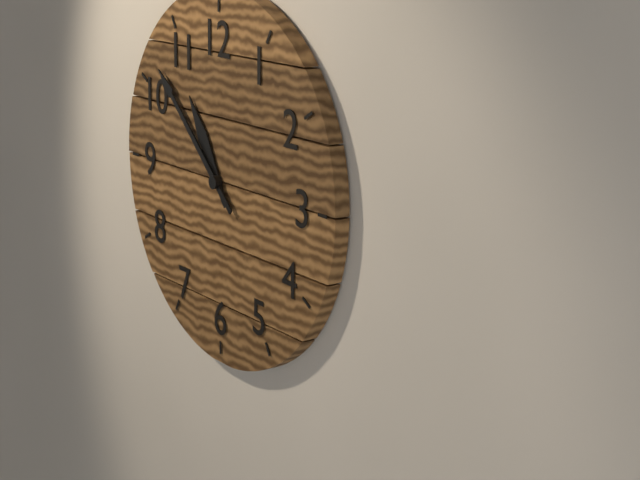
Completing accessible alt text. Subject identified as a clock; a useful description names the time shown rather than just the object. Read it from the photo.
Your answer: 10:52
